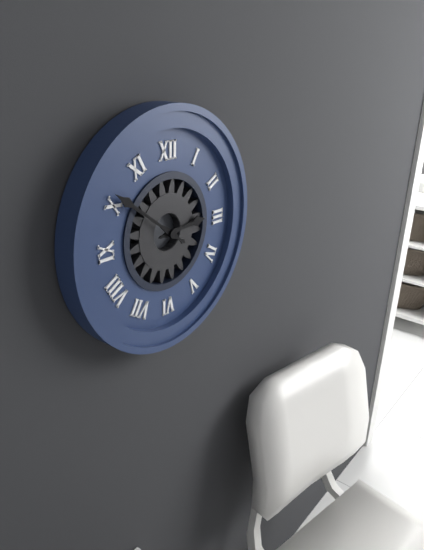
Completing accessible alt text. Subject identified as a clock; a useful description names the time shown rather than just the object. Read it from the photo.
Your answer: 2:51
